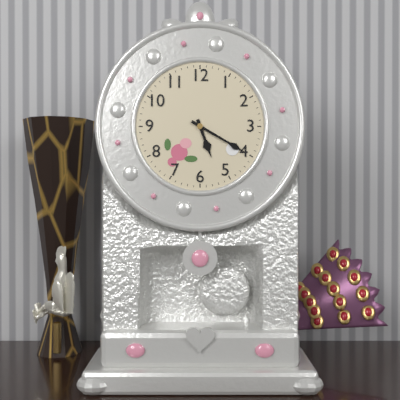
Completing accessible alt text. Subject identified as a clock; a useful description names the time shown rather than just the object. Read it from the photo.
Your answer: 5:20
